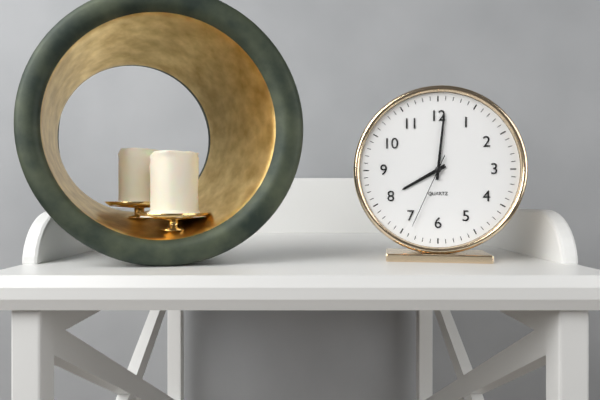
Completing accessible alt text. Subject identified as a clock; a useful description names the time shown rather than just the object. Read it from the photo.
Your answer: 8:01:34
